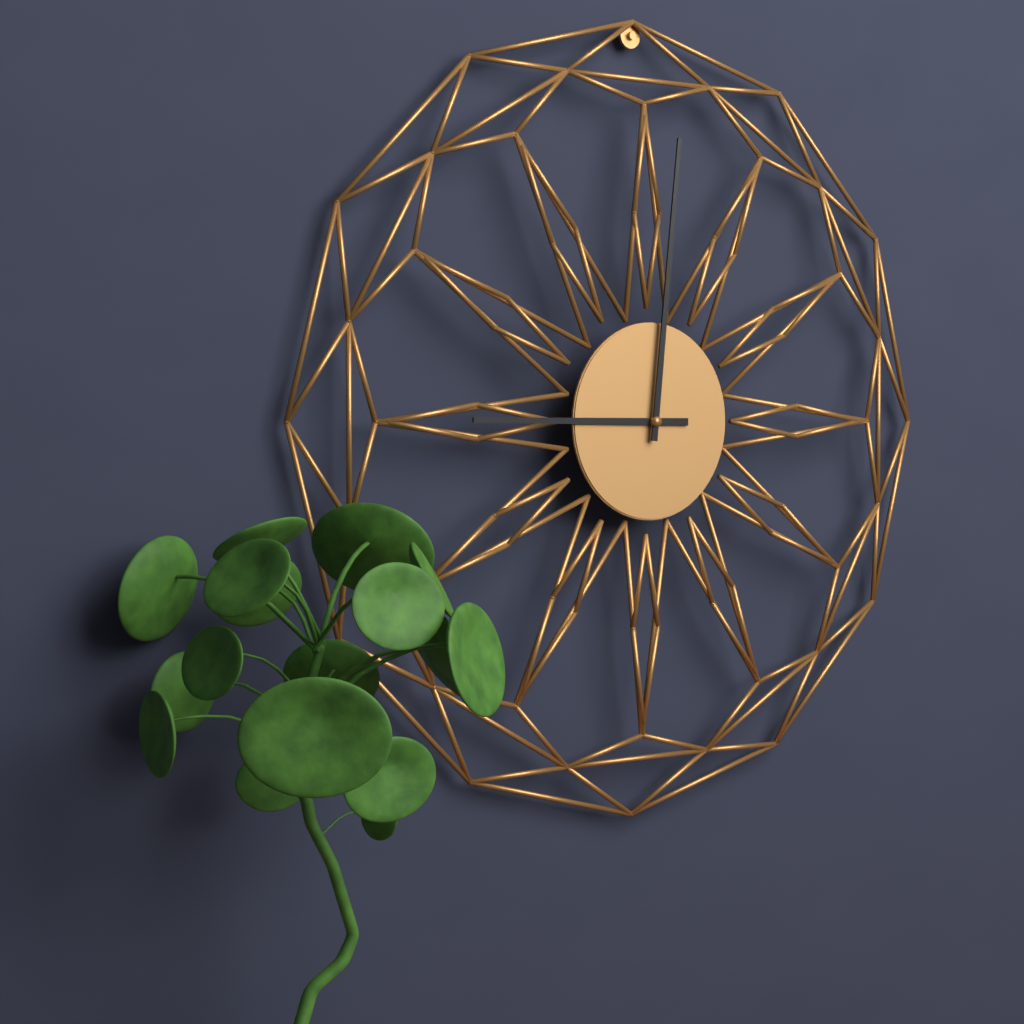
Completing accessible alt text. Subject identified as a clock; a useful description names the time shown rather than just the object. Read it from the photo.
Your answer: 9:01
